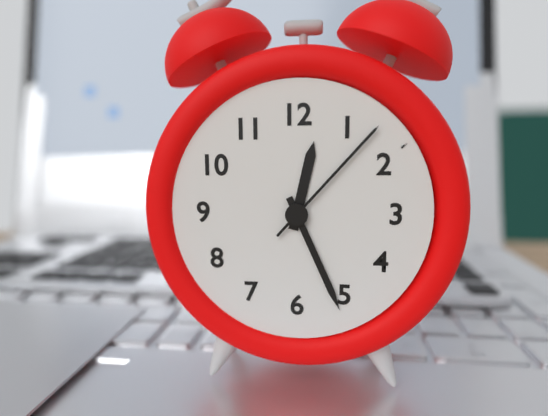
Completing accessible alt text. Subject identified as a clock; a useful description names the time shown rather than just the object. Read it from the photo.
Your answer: 12:26:07
